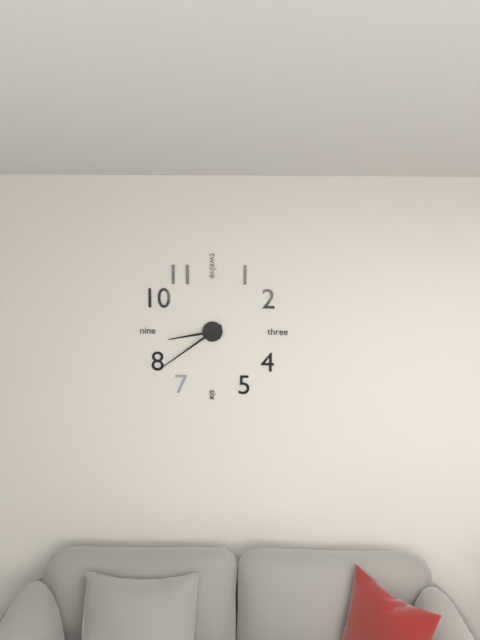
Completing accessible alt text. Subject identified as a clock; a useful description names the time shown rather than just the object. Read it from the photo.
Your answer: 8:39
